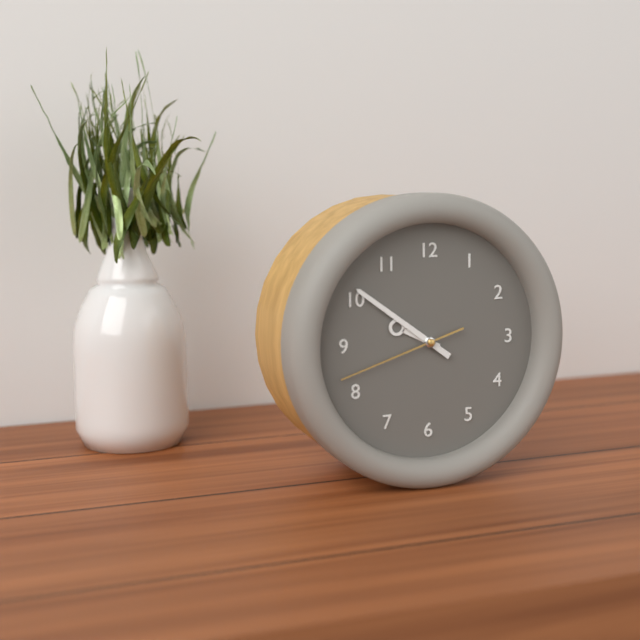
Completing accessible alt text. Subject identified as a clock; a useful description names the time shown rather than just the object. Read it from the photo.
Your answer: 9:51:42
